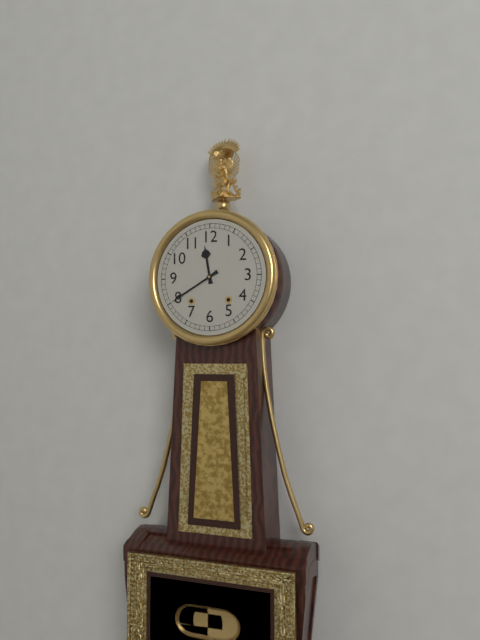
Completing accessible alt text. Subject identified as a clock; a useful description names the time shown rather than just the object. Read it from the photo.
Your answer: 11:40
